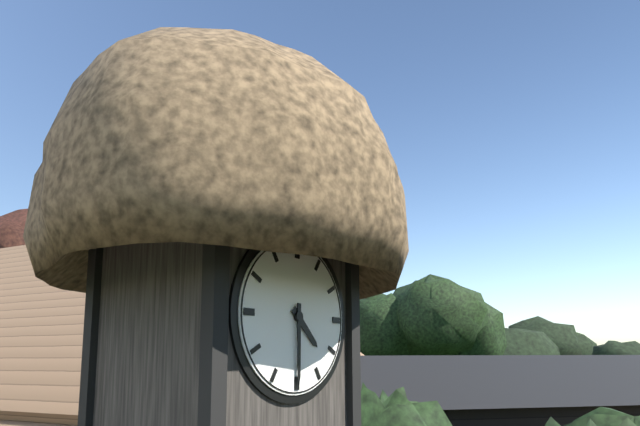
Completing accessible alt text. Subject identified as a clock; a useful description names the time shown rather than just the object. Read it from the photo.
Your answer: 4:30
